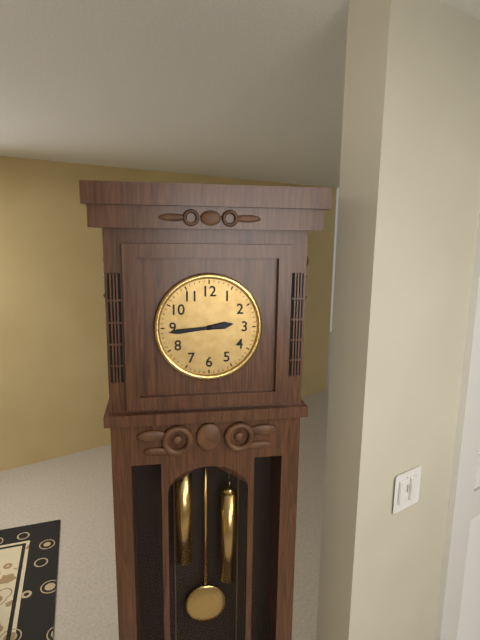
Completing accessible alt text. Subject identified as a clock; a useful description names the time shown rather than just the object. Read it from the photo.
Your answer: 2:44
